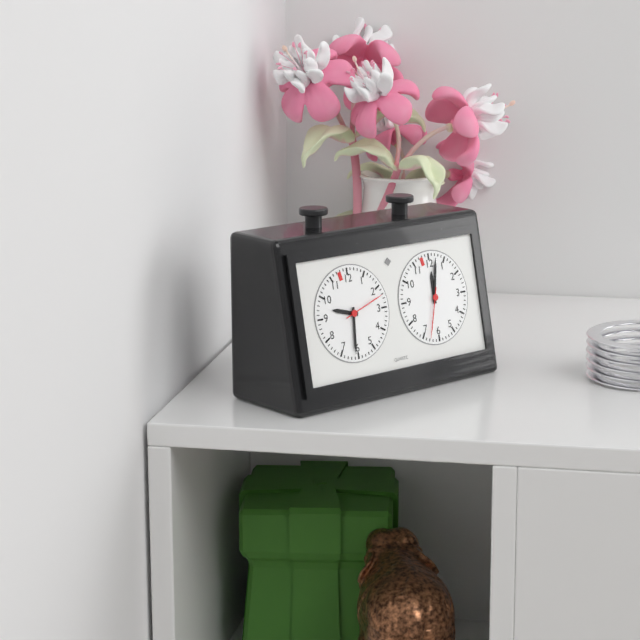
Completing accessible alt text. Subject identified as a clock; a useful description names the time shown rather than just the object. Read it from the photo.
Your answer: 9:31
